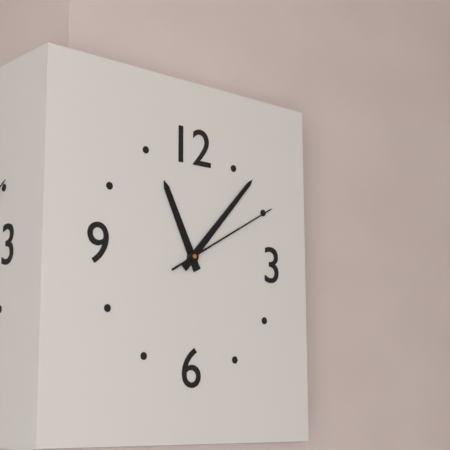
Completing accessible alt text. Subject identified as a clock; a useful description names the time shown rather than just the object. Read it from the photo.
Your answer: 11:07:10
